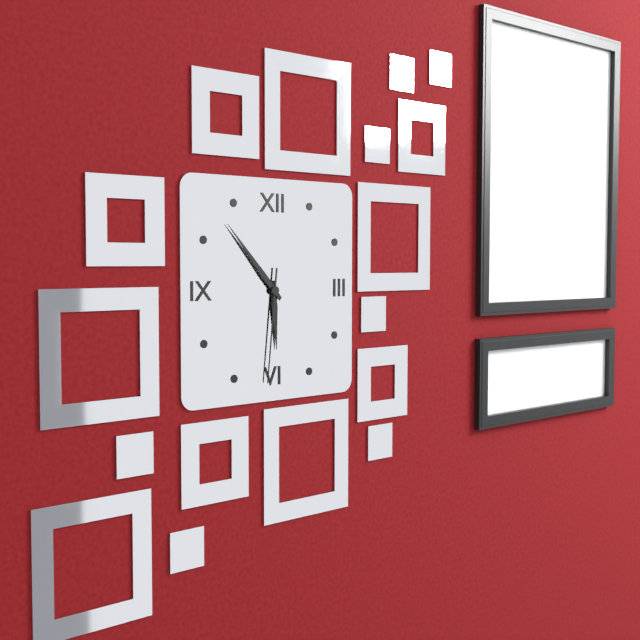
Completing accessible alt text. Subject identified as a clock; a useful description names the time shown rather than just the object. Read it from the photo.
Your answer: 5:53:31
